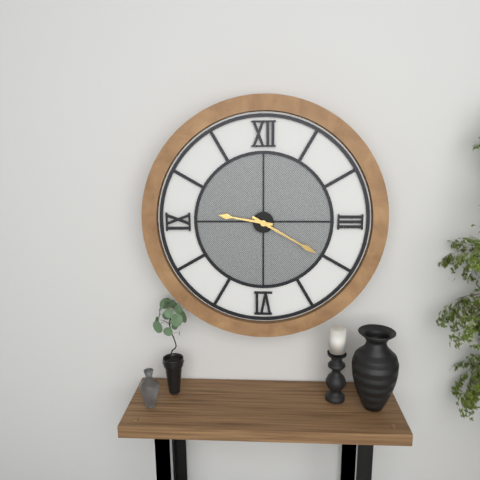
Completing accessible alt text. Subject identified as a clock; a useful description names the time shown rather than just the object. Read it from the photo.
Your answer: 9:20
